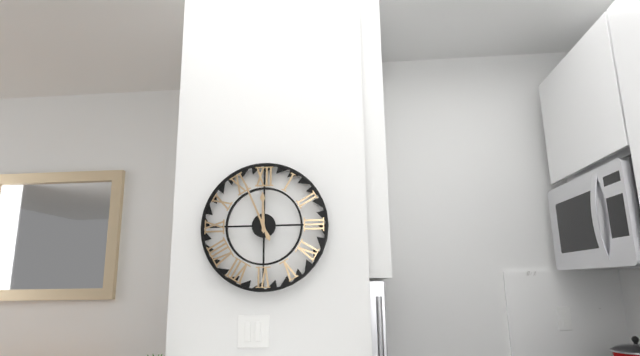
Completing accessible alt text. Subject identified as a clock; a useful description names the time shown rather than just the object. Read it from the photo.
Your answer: 11:56
